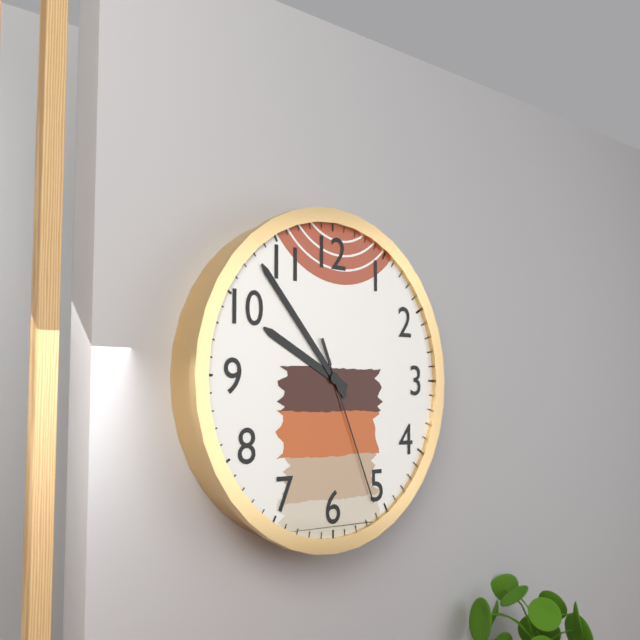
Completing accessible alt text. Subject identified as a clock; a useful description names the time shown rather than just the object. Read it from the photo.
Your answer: 9:53:26
